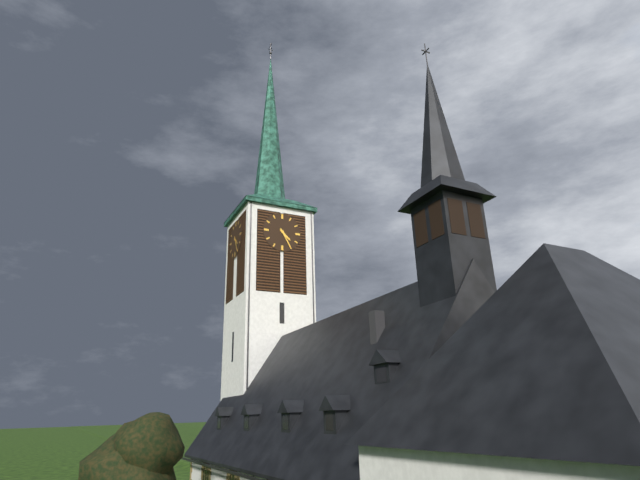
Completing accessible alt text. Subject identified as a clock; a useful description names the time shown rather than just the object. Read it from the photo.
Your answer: 4:25
